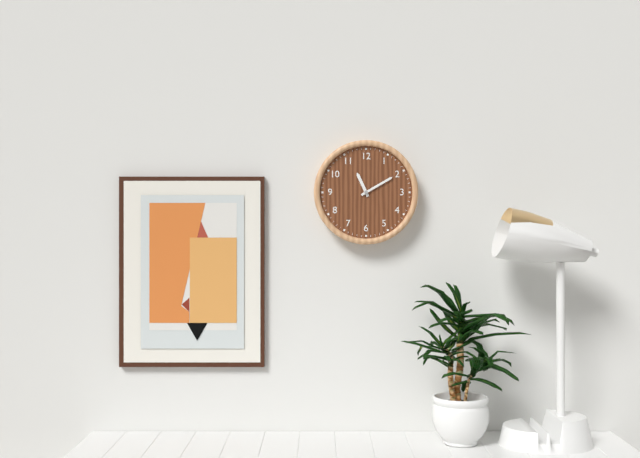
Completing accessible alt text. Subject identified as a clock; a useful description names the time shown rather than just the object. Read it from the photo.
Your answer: 11:10
